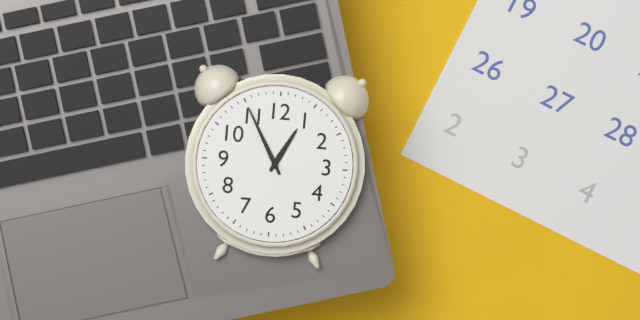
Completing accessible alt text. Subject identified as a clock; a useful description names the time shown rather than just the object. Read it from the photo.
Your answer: 12:55
